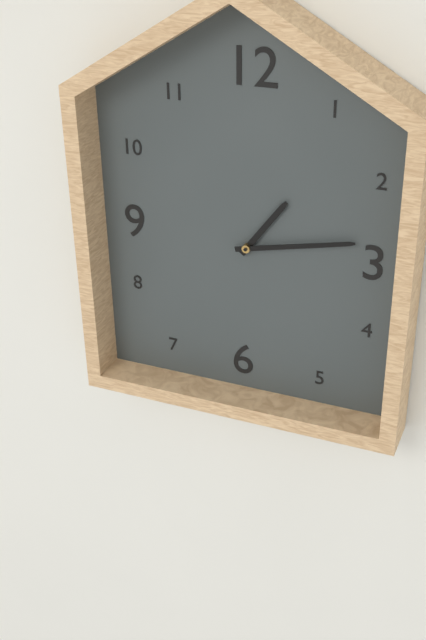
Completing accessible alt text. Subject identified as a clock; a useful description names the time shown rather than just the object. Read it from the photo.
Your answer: 1:13
